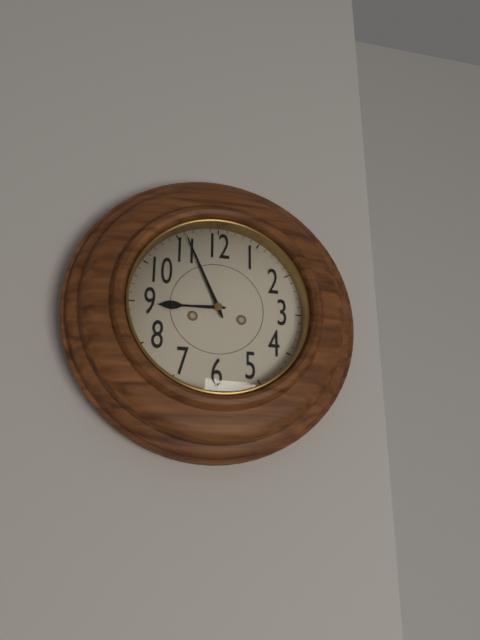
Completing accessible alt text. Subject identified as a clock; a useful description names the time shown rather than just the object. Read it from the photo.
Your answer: 8:56
